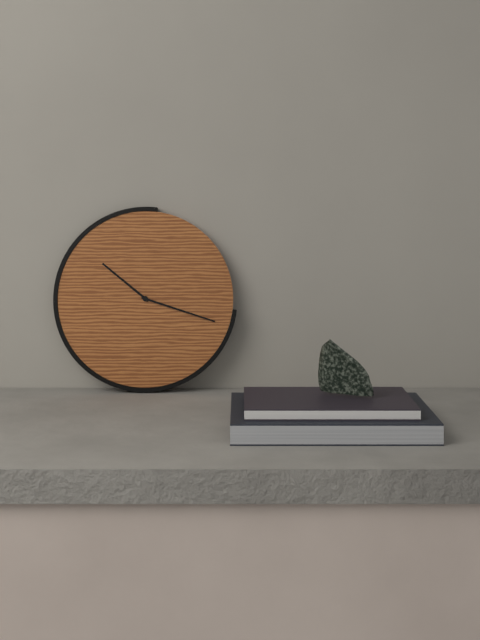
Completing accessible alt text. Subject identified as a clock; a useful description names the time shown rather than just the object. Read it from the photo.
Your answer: 10:18
